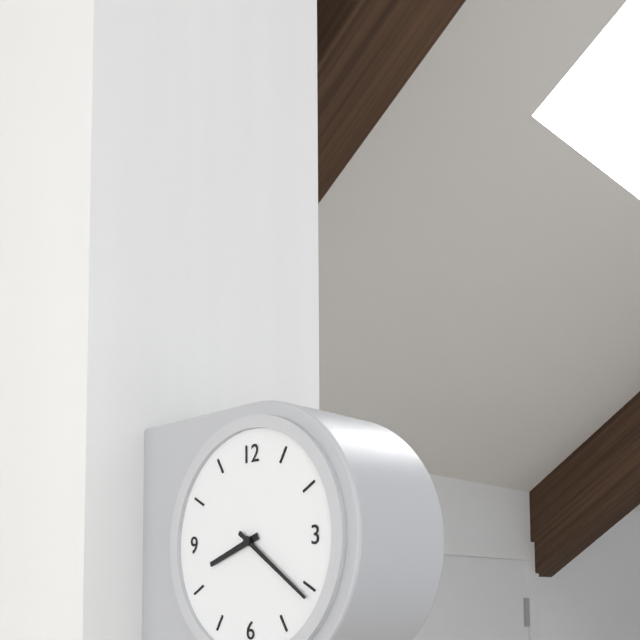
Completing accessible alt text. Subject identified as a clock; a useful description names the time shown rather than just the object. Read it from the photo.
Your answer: 8:21
